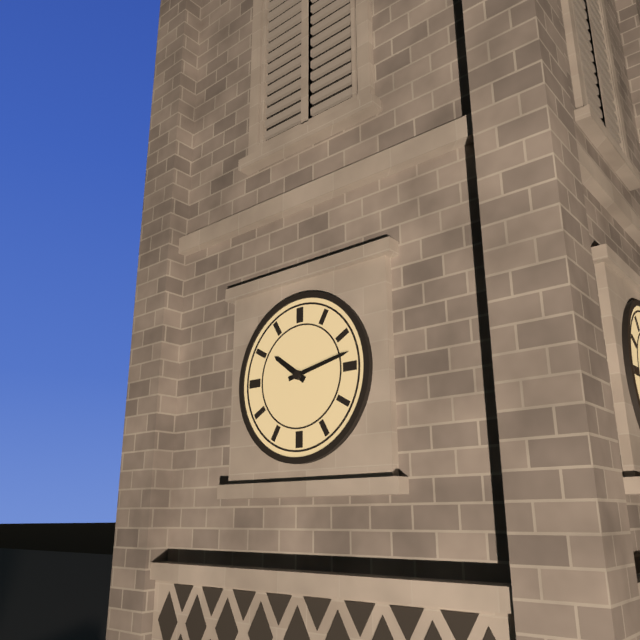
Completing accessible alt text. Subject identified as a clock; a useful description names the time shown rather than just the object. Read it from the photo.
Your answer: 10:13
